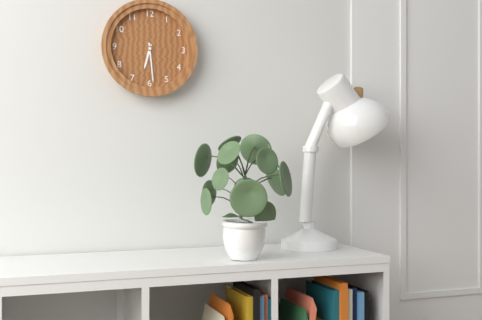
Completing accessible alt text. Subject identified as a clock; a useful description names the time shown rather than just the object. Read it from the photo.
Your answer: 6:29
